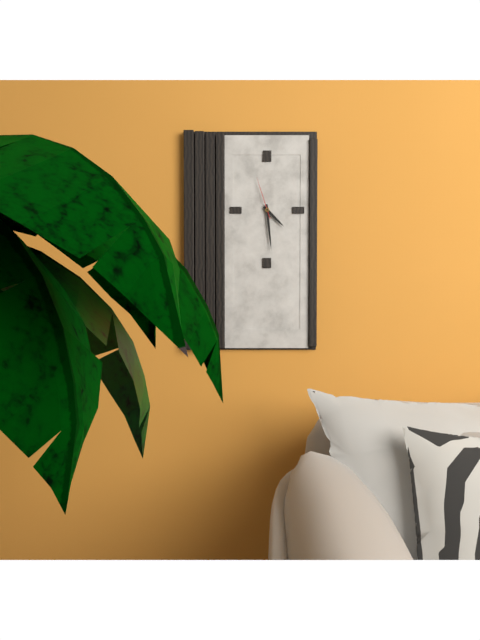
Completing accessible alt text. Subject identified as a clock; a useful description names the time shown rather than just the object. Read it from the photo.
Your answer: 4:29
